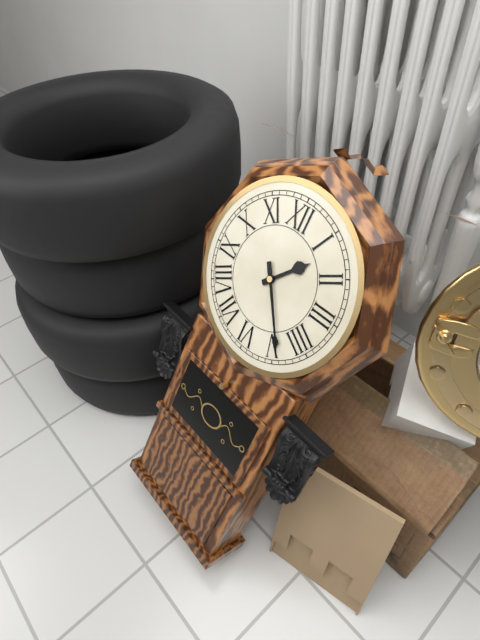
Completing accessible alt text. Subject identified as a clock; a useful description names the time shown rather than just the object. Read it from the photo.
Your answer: 1:24
